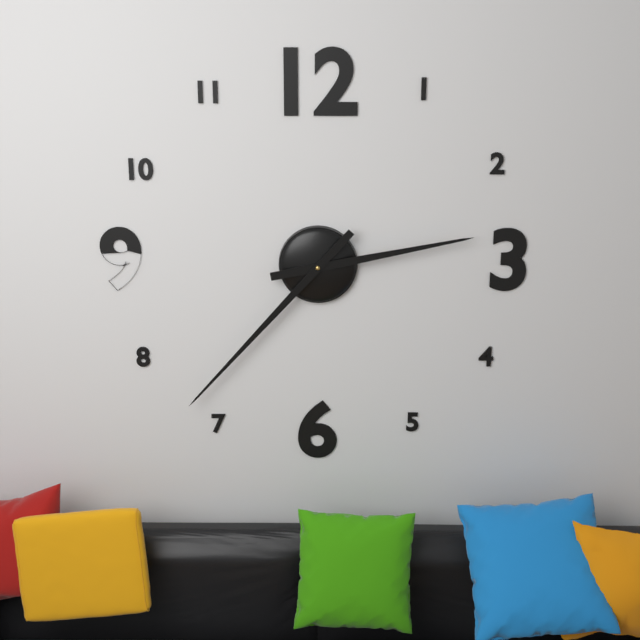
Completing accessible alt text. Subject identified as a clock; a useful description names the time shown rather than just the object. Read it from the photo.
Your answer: 2:37
